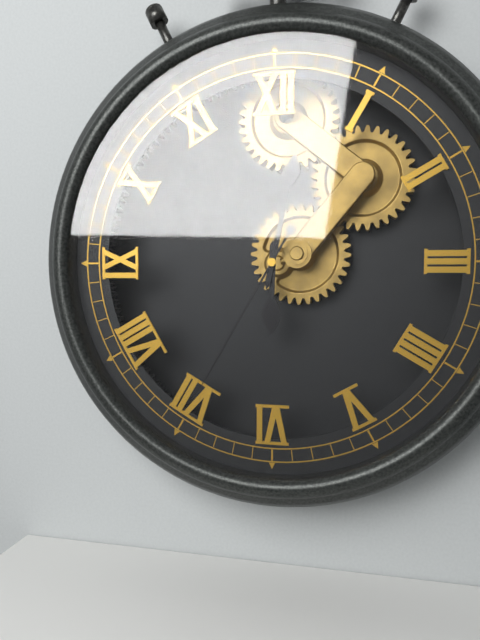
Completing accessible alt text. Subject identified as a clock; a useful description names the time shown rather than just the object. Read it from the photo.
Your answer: 6:02:35
